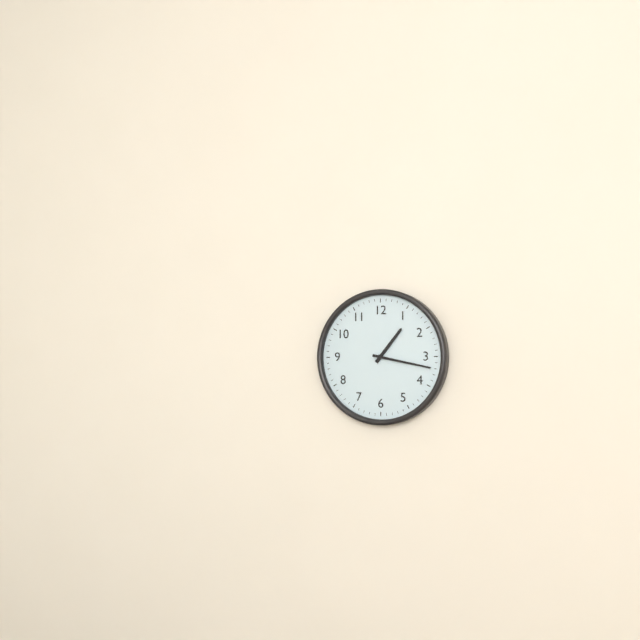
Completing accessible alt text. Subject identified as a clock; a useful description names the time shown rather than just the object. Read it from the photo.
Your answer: 1:17
